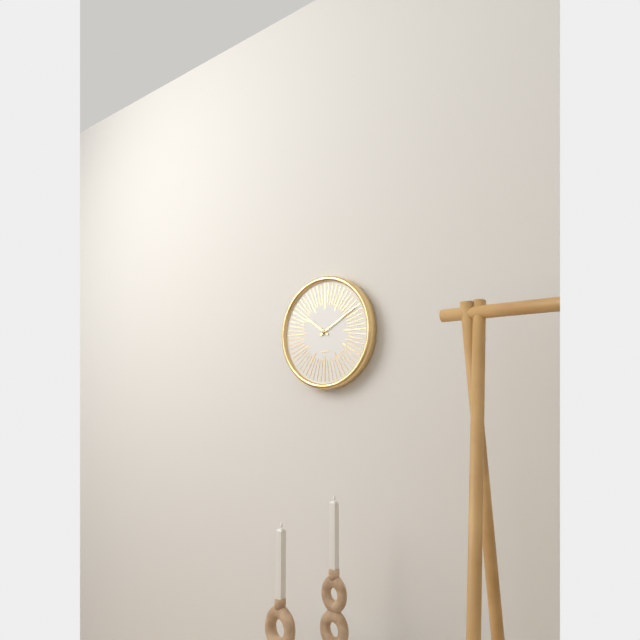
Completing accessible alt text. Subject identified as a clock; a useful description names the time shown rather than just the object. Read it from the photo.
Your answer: 10:10
